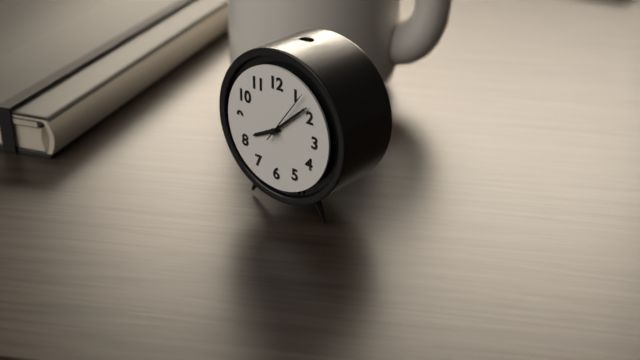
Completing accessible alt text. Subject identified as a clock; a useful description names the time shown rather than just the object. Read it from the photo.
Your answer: 8:08:06
